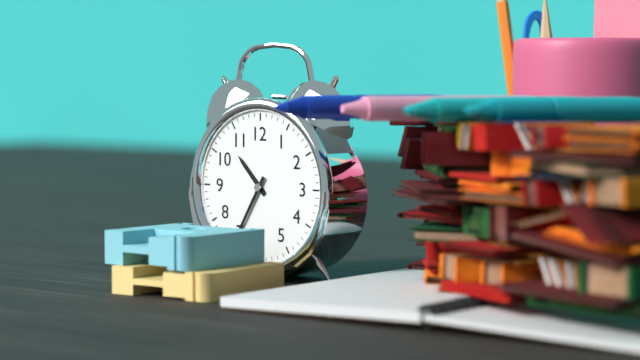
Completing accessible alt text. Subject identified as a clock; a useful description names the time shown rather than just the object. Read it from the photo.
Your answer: 10:35
